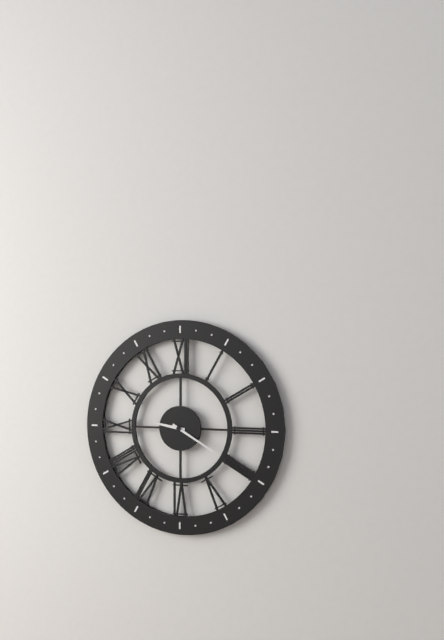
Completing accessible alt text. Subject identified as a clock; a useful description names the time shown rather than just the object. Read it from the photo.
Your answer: 9:20
